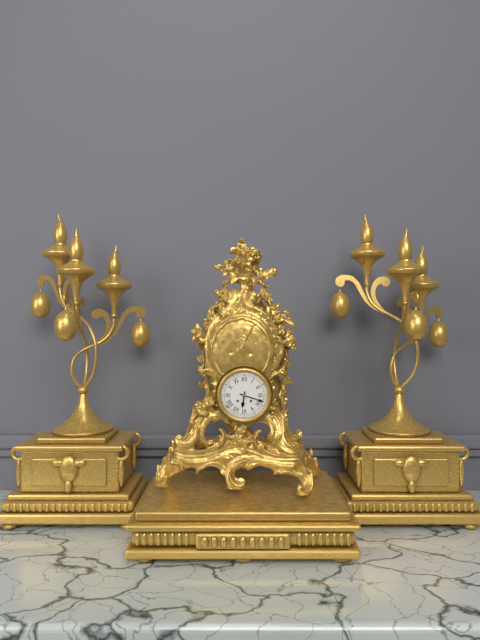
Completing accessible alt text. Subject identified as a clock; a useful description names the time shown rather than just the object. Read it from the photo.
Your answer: 6:18
